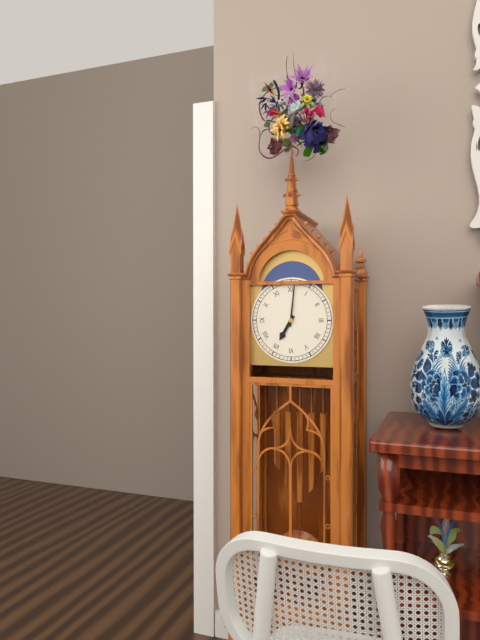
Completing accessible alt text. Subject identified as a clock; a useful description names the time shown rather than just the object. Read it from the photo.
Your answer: 7:01
